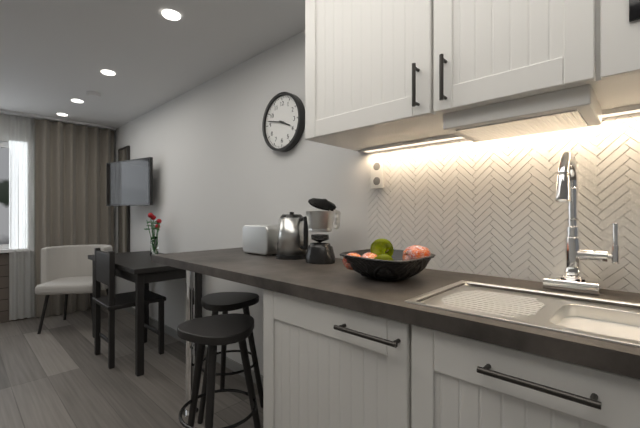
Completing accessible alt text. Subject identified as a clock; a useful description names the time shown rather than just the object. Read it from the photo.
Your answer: 3:47
